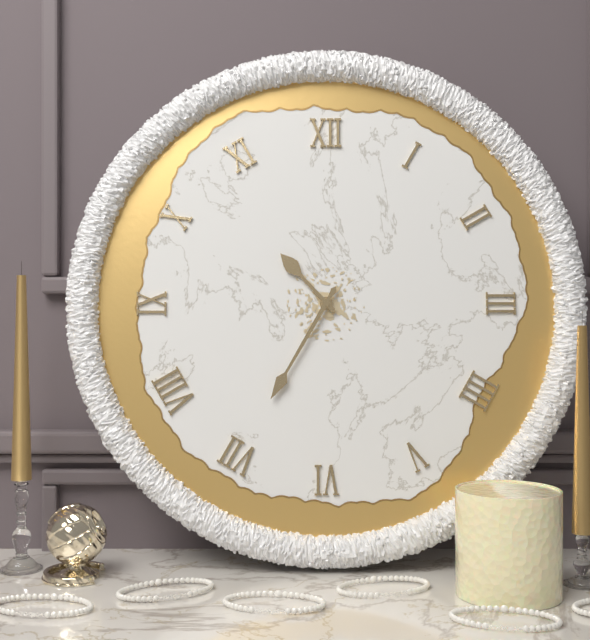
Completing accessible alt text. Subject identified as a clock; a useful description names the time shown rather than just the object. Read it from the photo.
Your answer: 10:35
